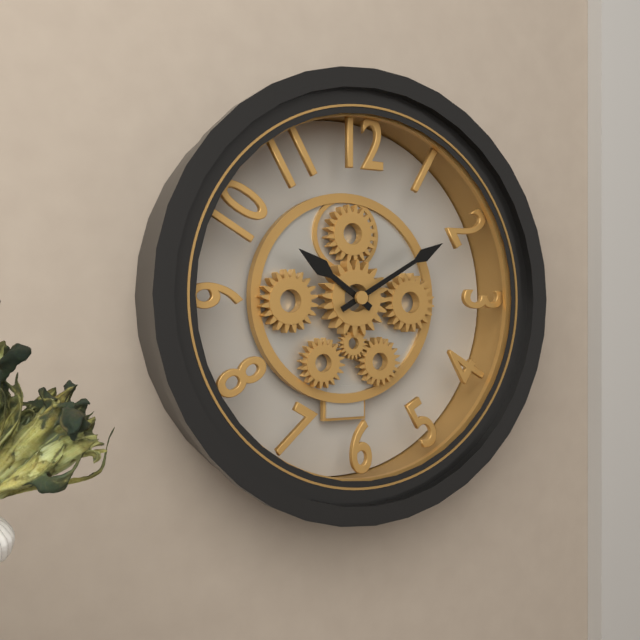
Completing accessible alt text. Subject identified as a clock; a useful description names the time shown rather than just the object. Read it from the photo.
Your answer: 10:10
